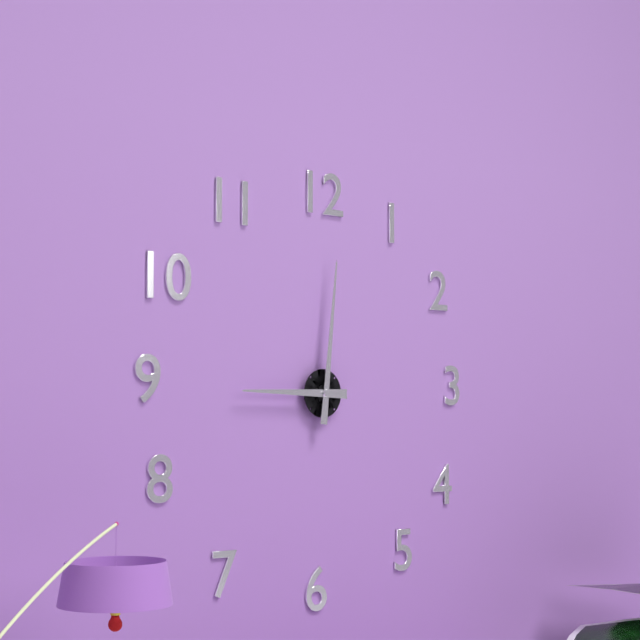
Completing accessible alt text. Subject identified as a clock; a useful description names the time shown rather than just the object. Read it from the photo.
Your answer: 9:01
